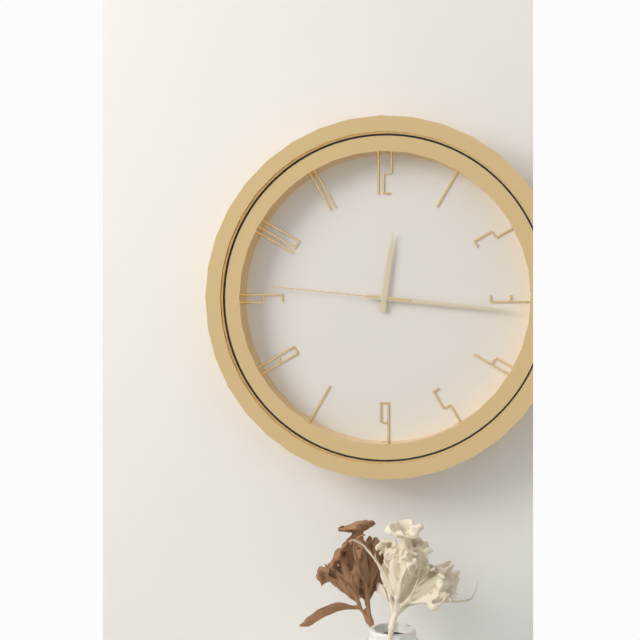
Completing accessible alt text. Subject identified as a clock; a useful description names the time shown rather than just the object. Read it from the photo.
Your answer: 12:16:46
